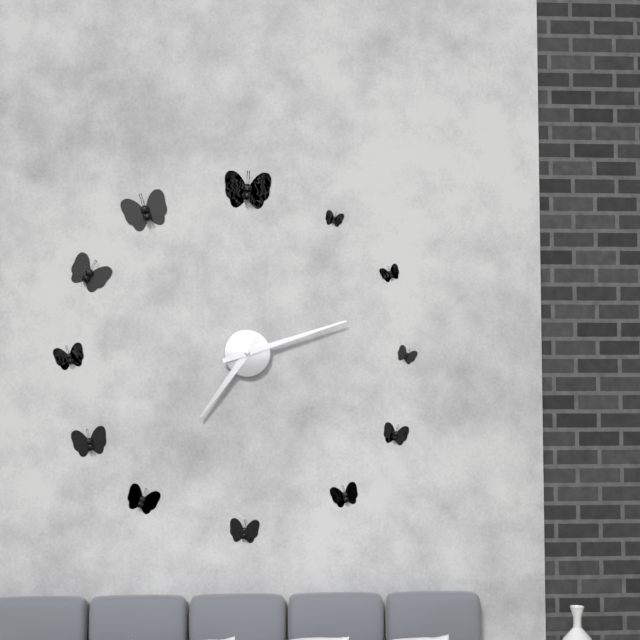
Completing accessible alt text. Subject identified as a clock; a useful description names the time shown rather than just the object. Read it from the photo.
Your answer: 7:12
